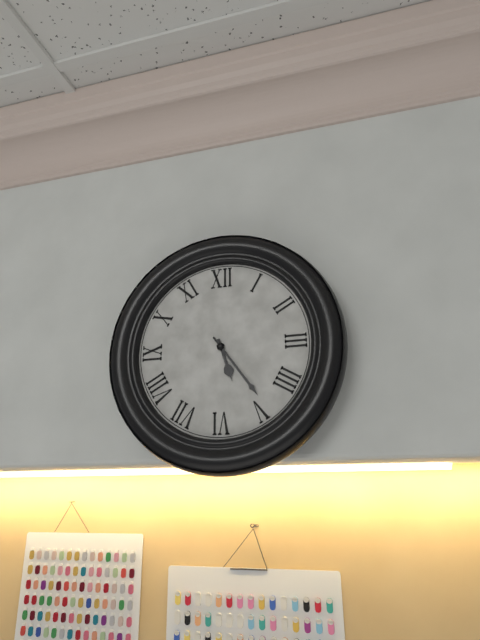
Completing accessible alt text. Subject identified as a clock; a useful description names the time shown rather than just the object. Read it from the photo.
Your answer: 5:24
